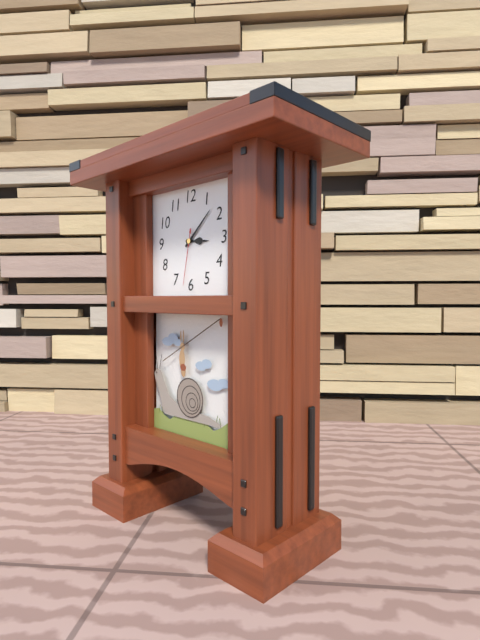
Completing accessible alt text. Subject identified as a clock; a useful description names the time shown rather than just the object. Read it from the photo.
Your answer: 3:08:32
